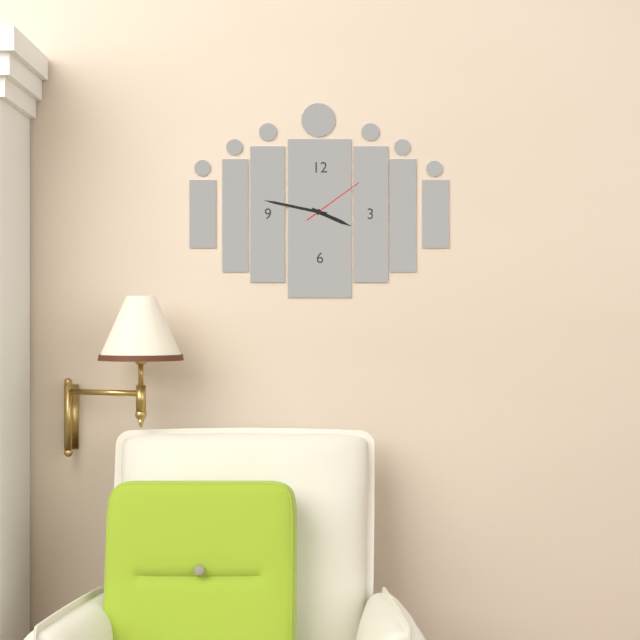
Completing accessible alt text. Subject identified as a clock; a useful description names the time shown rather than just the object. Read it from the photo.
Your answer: 3:47:09
